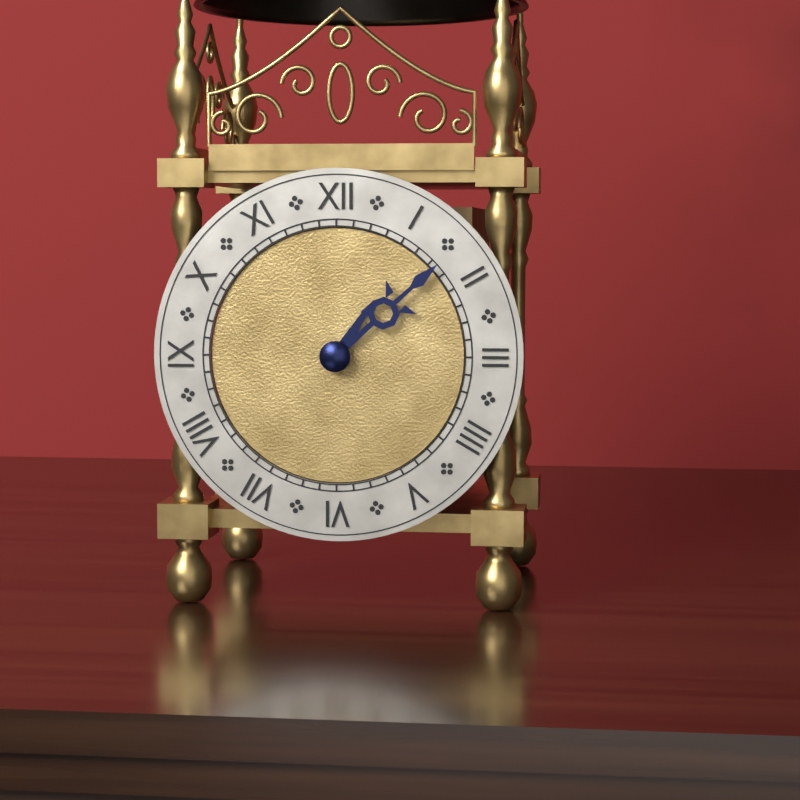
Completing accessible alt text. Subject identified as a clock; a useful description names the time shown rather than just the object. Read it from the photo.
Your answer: 1:08
